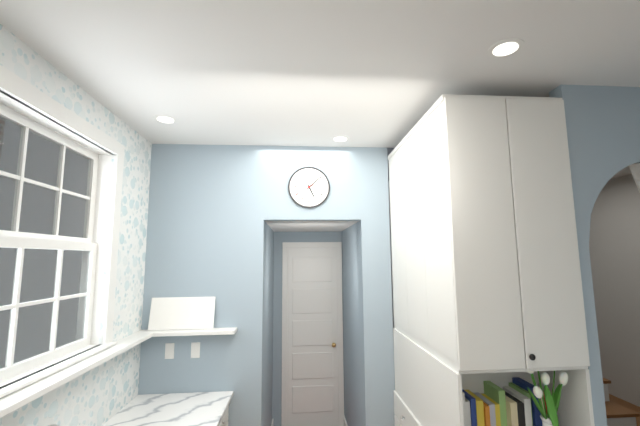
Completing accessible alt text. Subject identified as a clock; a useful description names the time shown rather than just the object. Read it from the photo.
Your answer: 5:08
